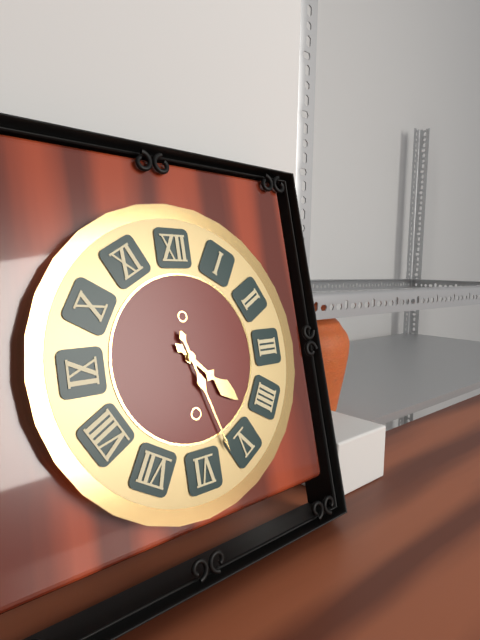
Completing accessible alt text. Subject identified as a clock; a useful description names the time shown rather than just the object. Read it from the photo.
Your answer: 4:27
